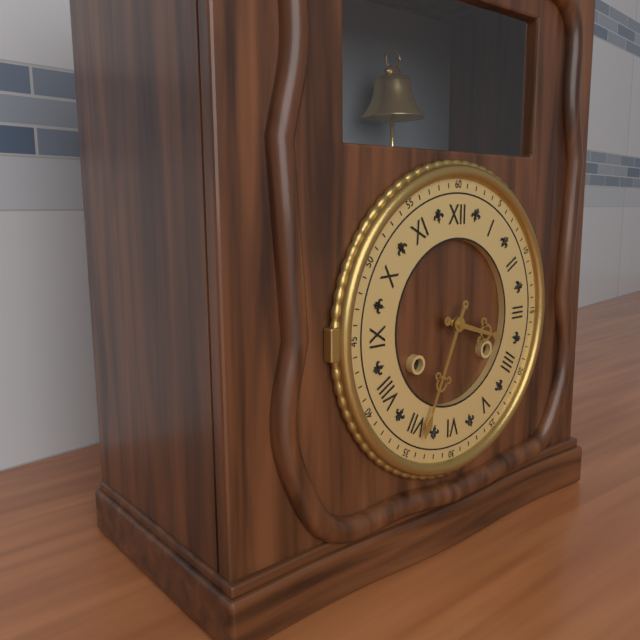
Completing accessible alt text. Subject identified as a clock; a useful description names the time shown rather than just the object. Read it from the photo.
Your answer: 3:34
